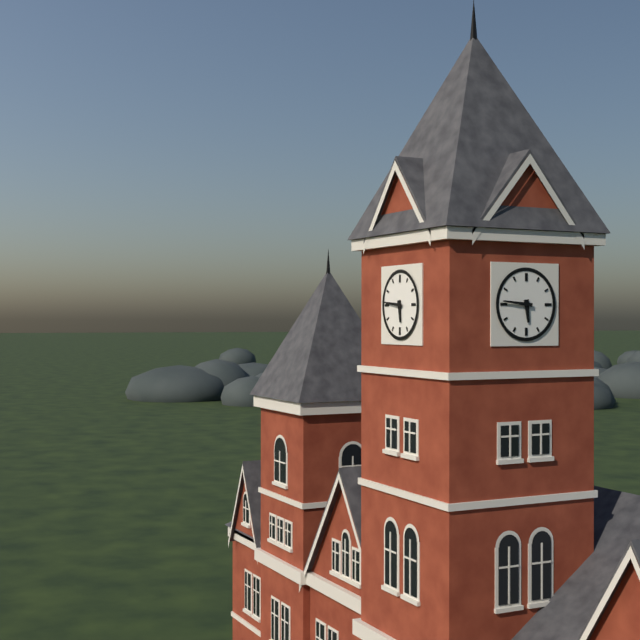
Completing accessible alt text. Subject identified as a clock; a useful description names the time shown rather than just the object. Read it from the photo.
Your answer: 5:46
